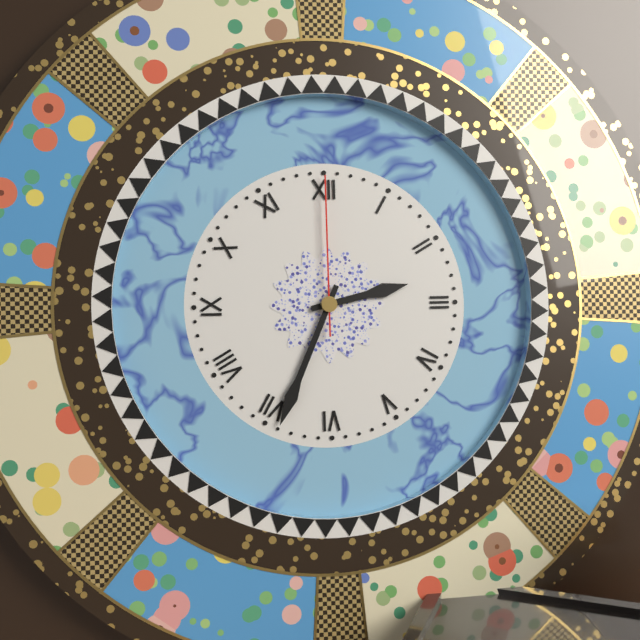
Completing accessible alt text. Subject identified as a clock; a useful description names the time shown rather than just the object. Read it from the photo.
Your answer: 2:34:00
